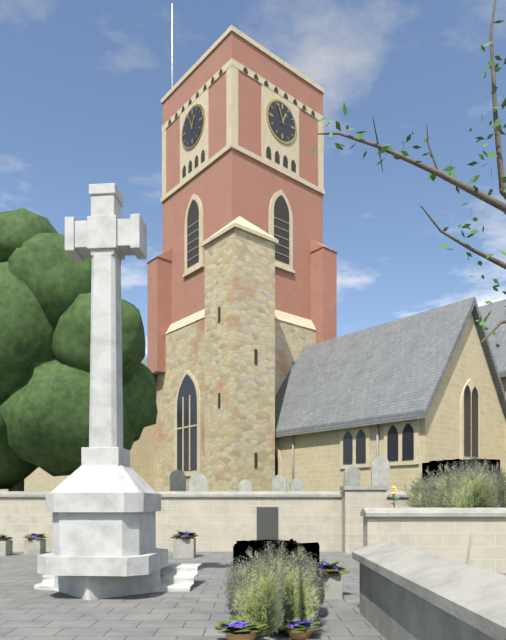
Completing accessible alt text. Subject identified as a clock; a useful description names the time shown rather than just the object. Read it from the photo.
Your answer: 12:56
